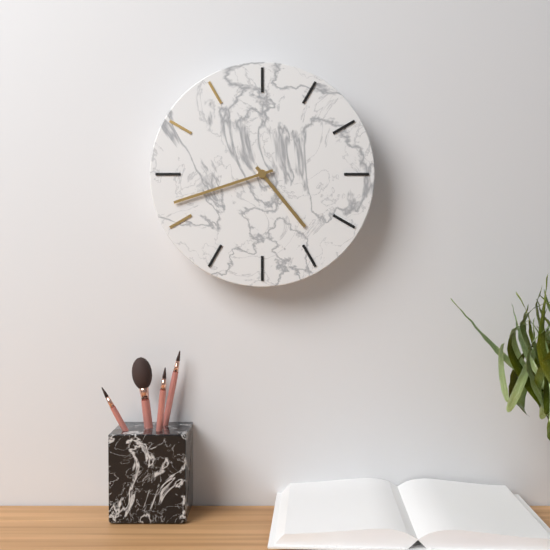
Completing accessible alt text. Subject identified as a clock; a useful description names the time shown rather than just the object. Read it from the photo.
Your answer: 4:42
